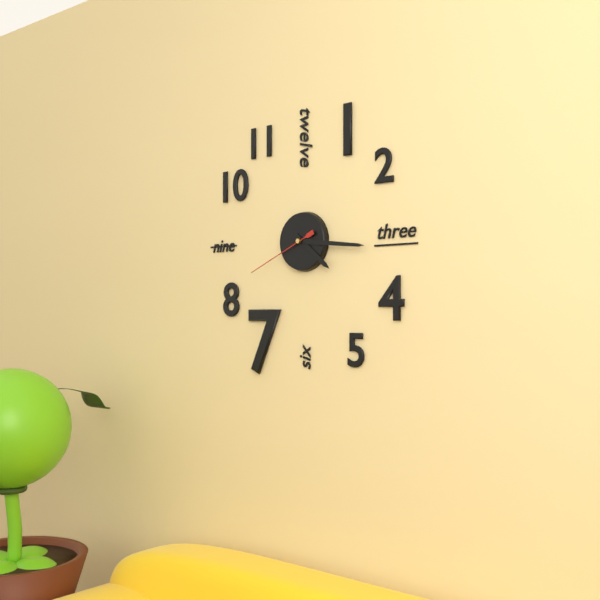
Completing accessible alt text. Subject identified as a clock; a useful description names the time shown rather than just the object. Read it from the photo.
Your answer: 4:16:41
